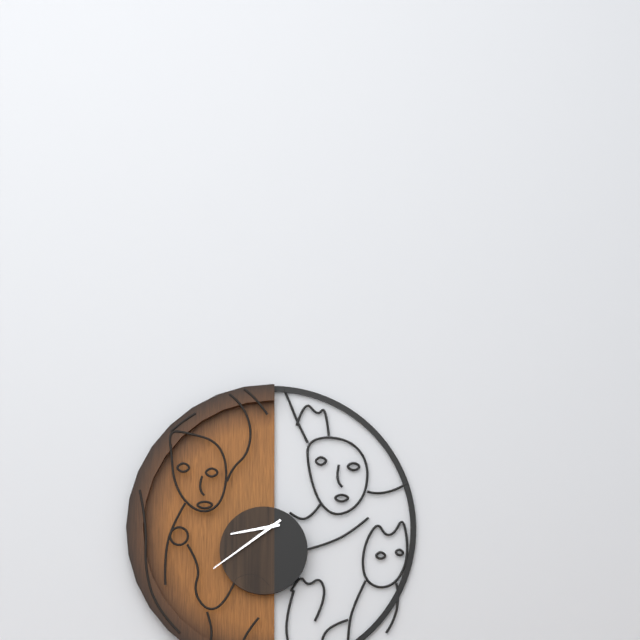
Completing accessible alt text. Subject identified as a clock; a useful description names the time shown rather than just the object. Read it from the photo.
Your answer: 8:39
